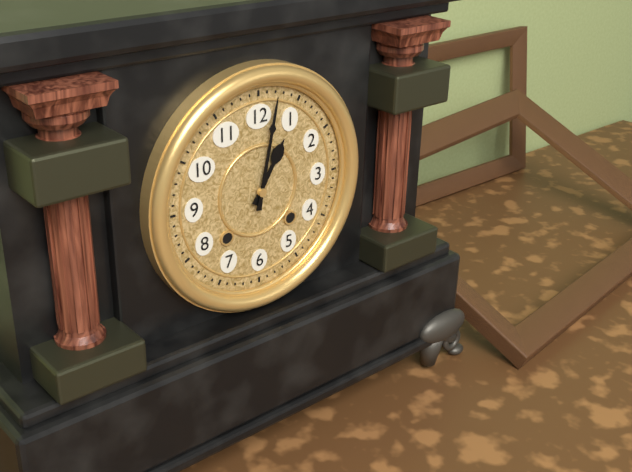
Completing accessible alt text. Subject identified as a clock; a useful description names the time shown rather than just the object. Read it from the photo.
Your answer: 1:02
